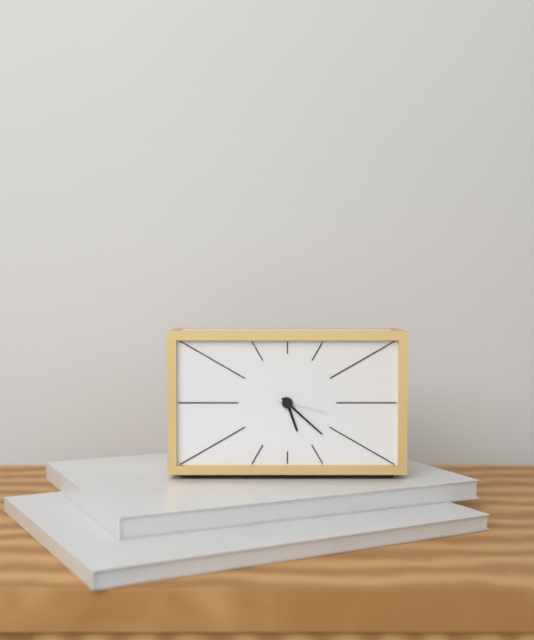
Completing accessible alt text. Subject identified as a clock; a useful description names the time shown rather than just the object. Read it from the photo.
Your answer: 5:22:17
